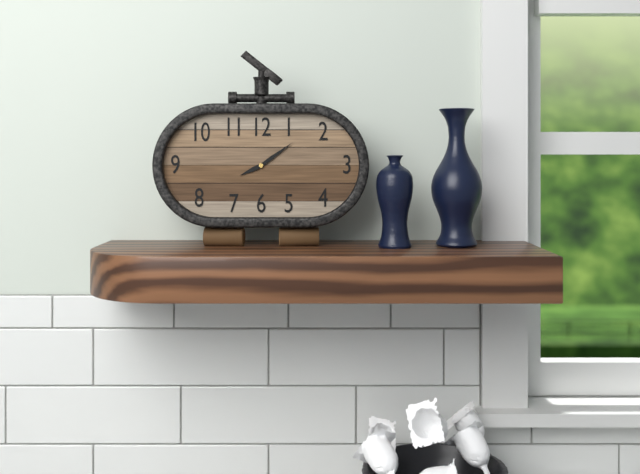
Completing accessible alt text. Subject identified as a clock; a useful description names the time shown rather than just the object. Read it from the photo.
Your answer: 8:09
